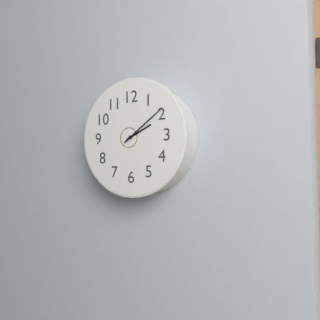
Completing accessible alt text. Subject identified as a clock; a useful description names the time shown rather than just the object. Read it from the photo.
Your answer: 2:09
